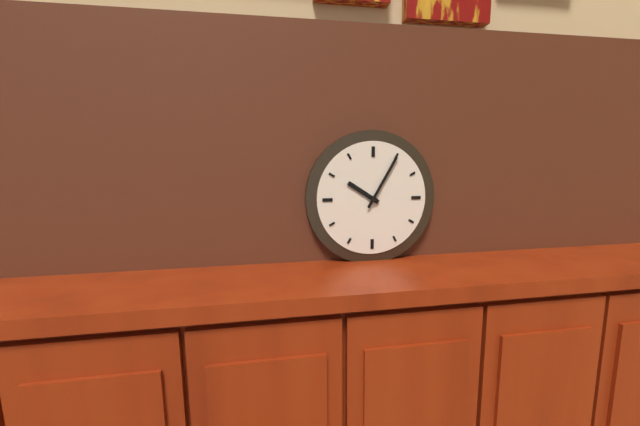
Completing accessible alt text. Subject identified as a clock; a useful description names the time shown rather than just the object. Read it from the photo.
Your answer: 10:05
